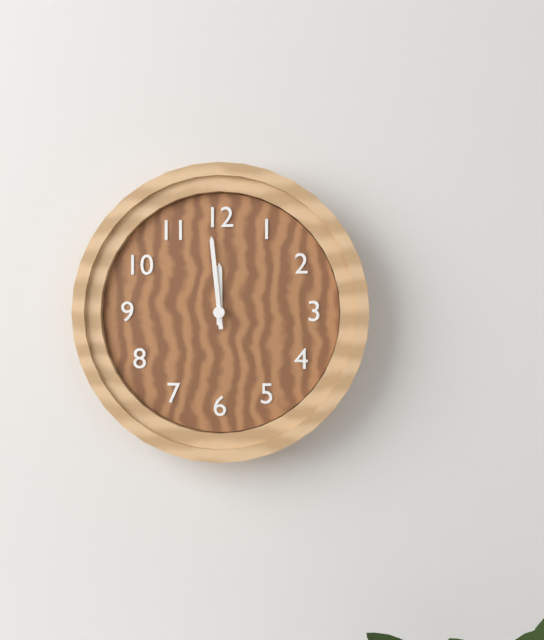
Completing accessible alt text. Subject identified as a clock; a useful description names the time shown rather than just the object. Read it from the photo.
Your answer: 11:59
